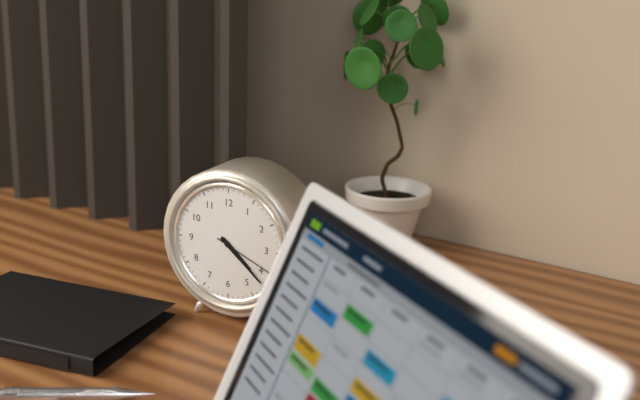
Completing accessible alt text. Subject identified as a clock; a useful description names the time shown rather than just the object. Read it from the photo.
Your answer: 4:22:19
